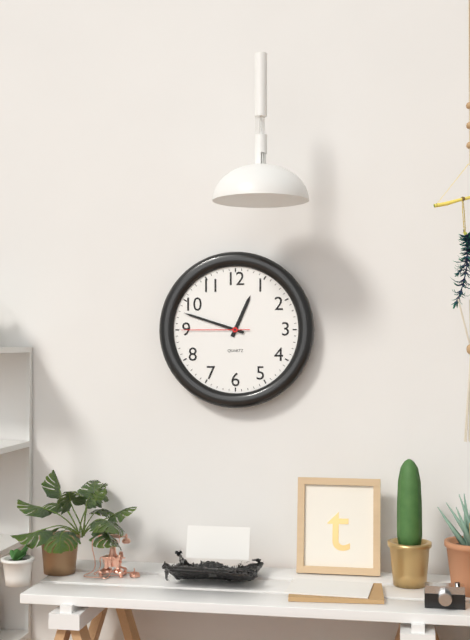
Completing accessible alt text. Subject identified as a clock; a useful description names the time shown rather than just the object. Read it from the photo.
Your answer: 12:48:45
